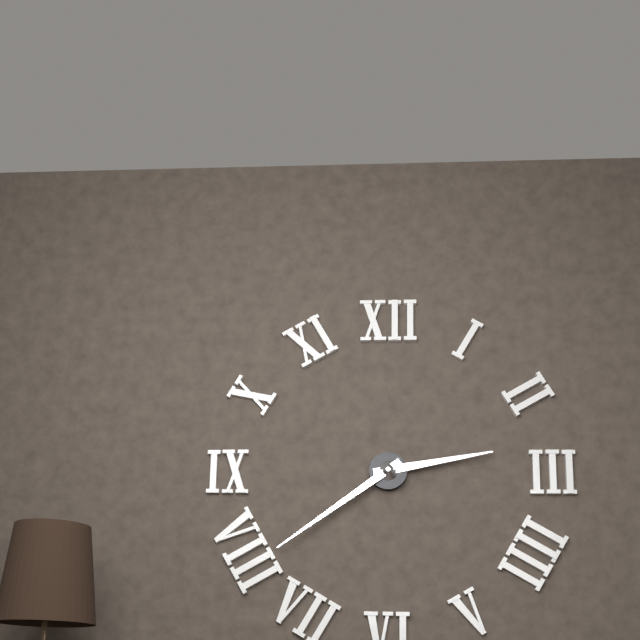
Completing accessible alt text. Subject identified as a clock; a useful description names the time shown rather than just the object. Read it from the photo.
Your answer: 2:39
